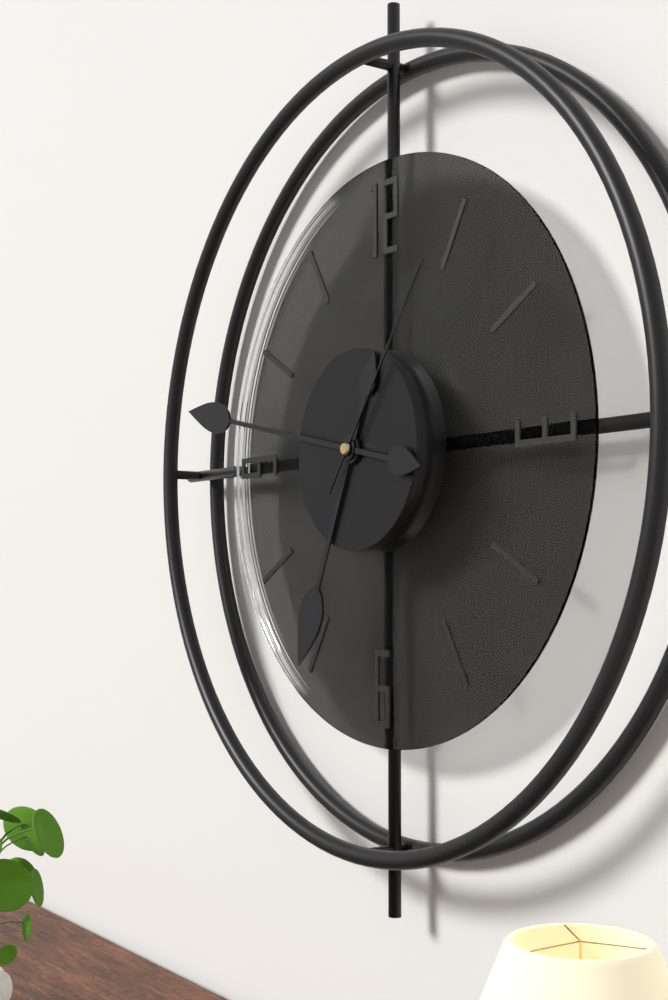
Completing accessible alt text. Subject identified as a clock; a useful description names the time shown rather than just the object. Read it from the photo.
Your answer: 6:47:06
